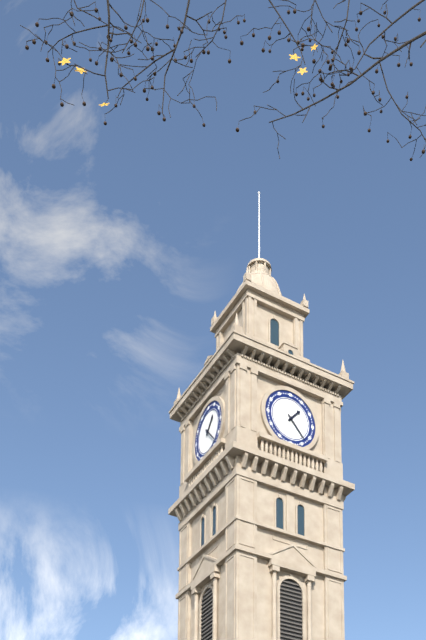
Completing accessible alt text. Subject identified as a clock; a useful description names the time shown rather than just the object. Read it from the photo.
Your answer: 1:23
